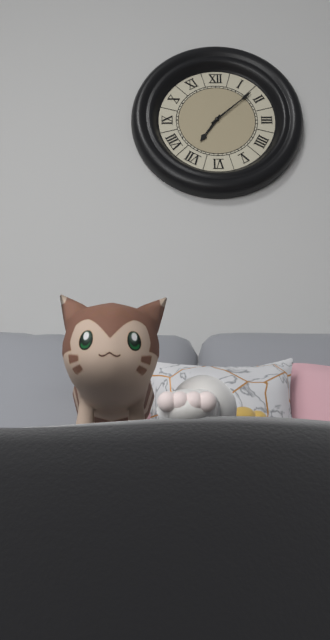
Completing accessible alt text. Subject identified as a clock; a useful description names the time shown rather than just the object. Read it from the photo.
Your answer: 7:08
